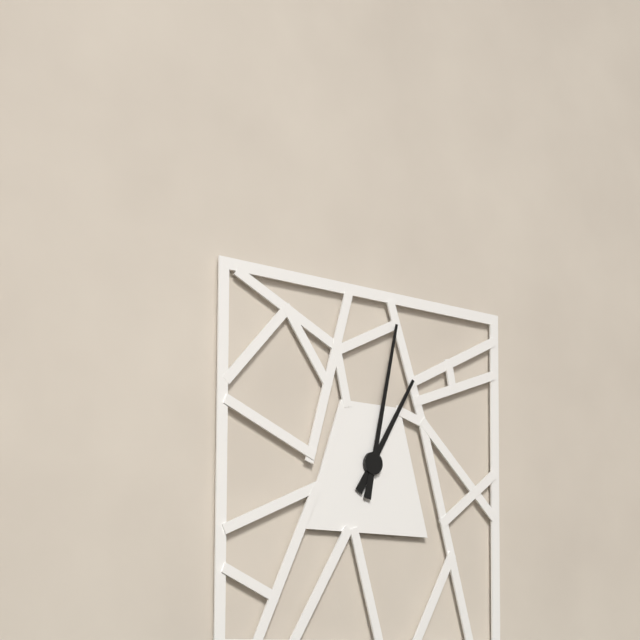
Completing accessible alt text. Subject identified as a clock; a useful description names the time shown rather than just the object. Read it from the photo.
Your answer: 1:02
